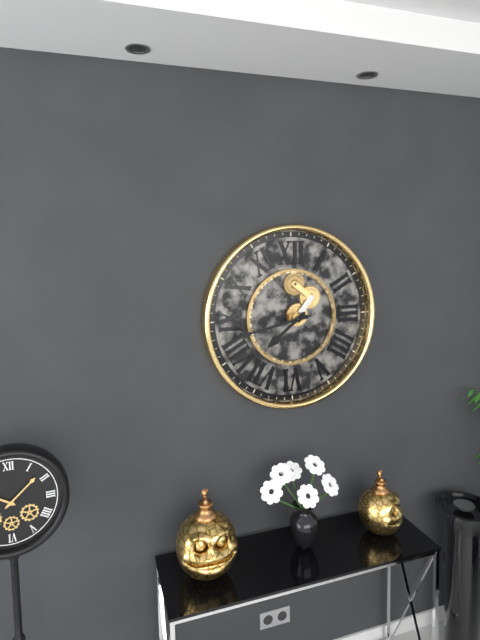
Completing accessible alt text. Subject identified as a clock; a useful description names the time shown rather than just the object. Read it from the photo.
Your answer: 7:43
